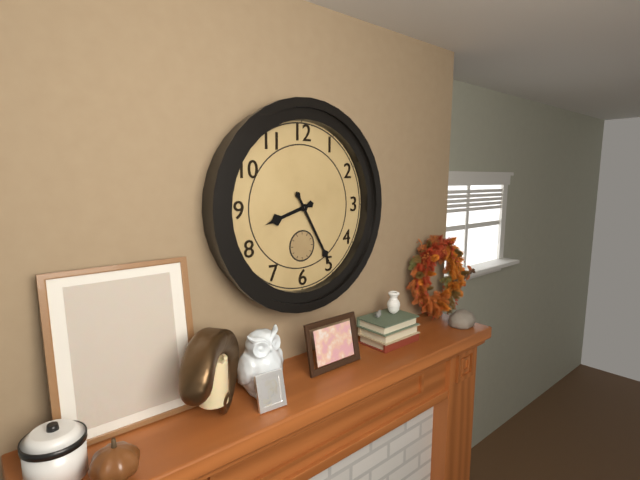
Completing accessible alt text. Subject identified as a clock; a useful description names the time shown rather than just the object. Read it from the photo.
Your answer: 8:25
